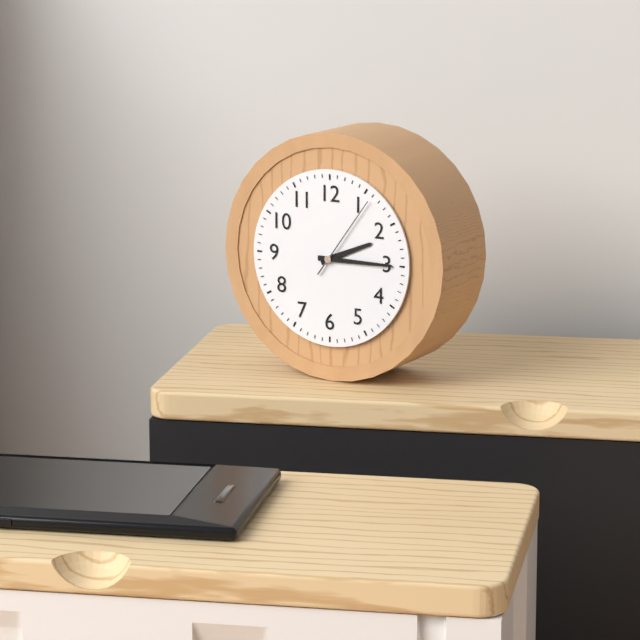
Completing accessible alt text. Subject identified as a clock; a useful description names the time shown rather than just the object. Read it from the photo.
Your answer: 2:15:06
